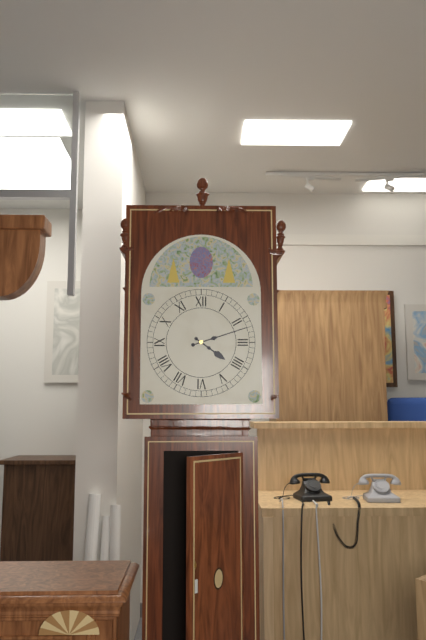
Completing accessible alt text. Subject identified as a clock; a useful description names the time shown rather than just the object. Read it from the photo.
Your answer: 4:12
